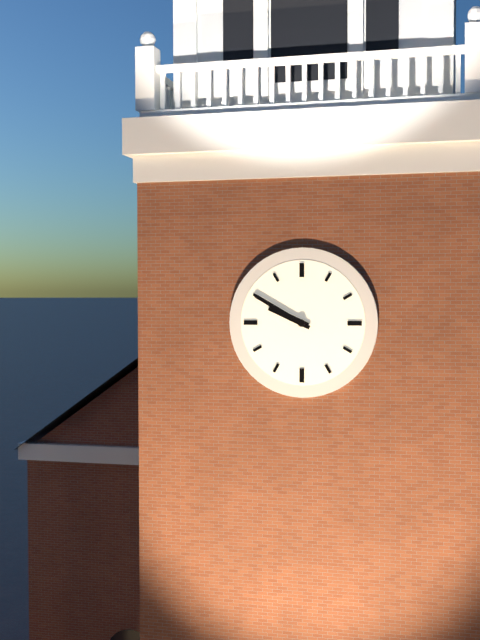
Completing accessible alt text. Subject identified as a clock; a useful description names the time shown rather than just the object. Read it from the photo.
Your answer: 9:50
